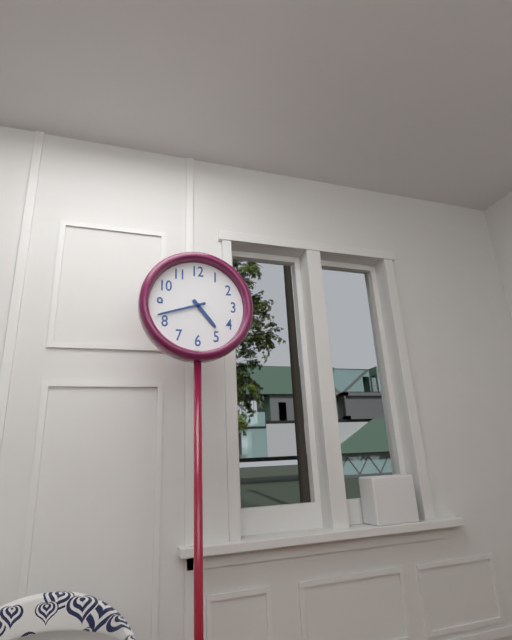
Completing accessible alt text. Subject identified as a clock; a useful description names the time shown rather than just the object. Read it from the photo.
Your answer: 4:42
